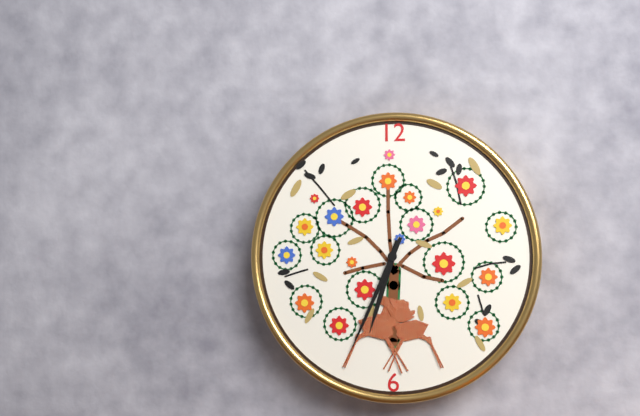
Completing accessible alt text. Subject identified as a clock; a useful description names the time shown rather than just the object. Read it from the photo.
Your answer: 6:34
